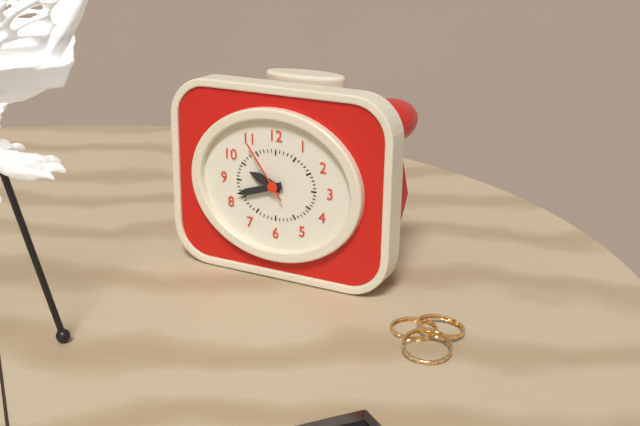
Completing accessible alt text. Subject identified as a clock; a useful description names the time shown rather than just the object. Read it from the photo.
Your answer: 9:42:54
